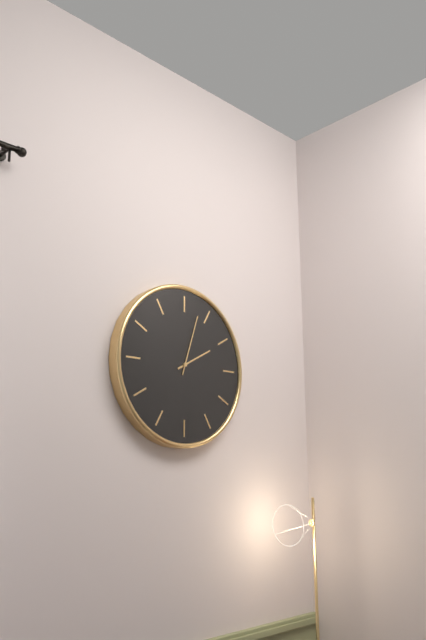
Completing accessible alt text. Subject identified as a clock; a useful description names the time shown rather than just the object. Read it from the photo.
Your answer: 2:03
